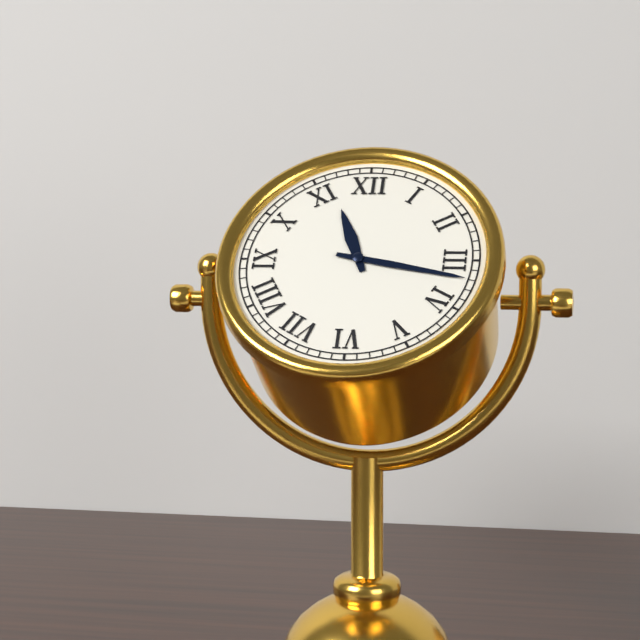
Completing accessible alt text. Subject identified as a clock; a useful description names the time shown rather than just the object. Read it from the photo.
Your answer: 11:17
